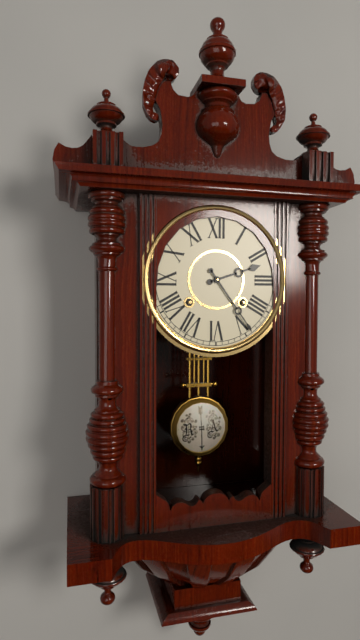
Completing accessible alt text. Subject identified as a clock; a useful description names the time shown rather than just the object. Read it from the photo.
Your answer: 2:24
